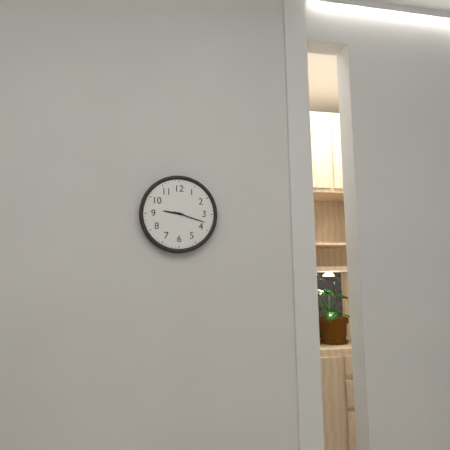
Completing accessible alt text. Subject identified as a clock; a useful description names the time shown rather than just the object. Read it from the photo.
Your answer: 9:18
